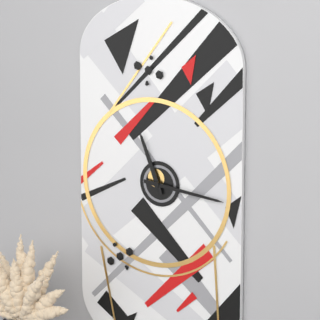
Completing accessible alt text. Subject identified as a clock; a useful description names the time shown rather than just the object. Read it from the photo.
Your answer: 11:16
